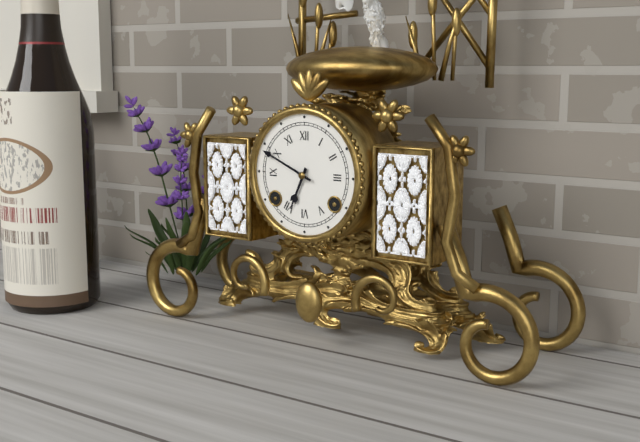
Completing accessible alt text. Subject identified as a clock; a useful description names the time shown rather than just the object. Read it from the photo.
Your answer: 6:49
